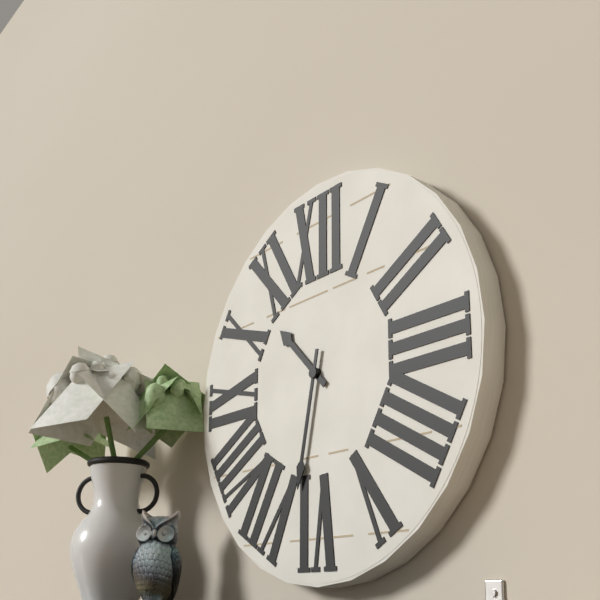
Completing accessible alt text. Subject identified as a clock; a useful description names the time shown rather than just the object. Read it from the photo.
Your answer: 10:32
